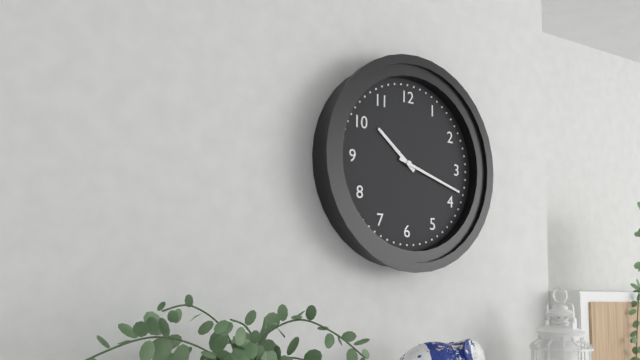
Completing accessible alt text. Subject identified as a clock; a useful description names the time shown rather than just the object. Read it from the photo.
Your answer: 10:18
